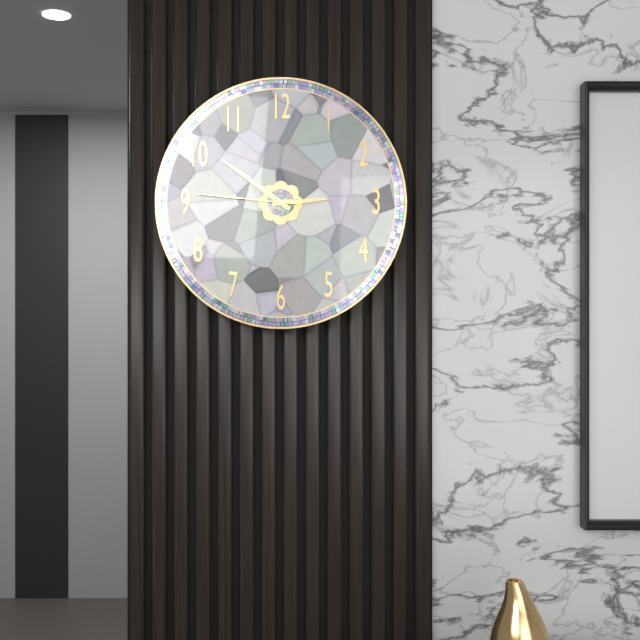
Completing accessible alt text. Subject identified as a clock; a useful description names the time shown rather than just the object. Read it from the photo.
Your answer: 2:51:46
